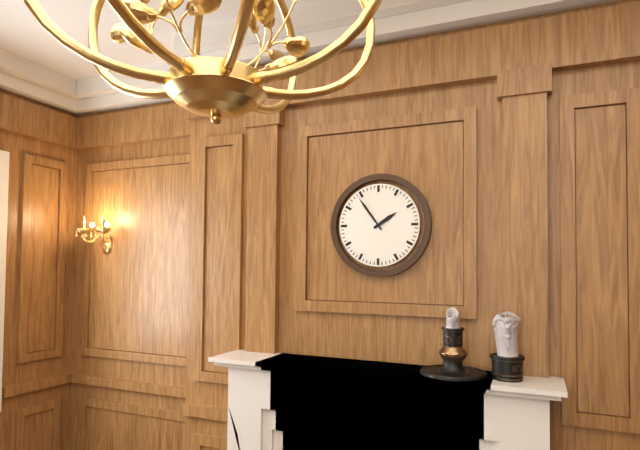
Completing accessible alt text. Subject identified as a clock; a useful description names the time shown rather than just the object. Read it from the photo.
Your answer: 1:54
